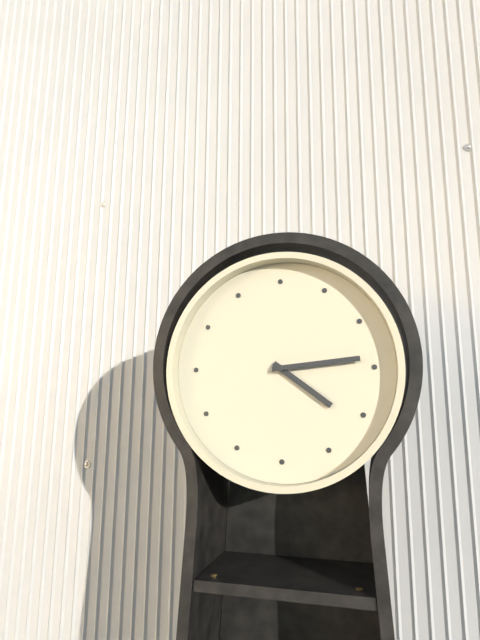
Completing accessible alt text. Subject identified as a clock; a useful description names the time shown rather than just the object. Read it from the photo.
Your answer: 4:14
